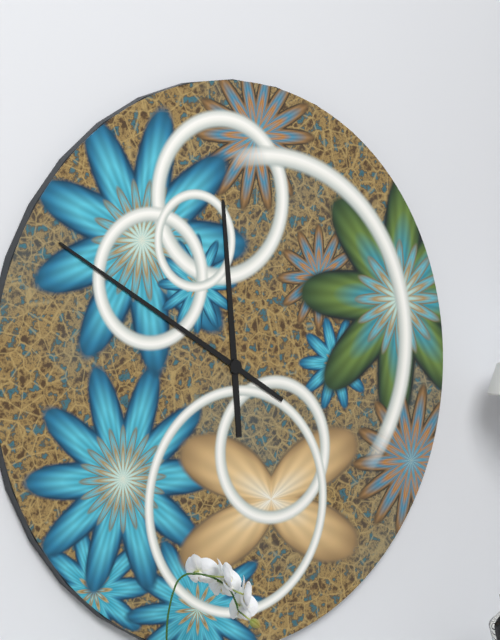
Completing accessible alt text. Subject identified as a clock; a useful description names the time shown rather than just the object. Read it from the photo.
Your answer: 11:50
